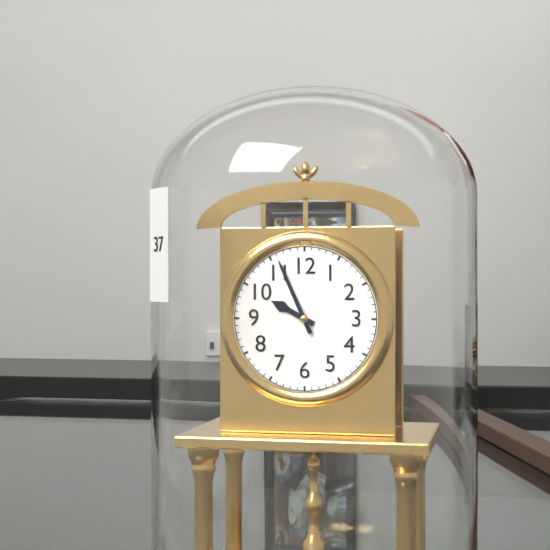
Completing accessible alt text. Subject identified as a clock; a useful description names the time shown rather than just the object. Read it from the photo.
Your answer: 9:56
